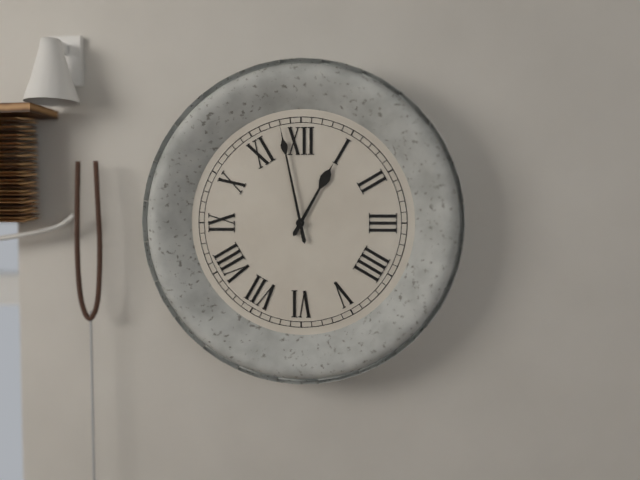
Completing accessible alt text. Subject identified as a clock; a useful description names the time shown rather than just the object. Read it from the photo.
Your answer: 12:58
